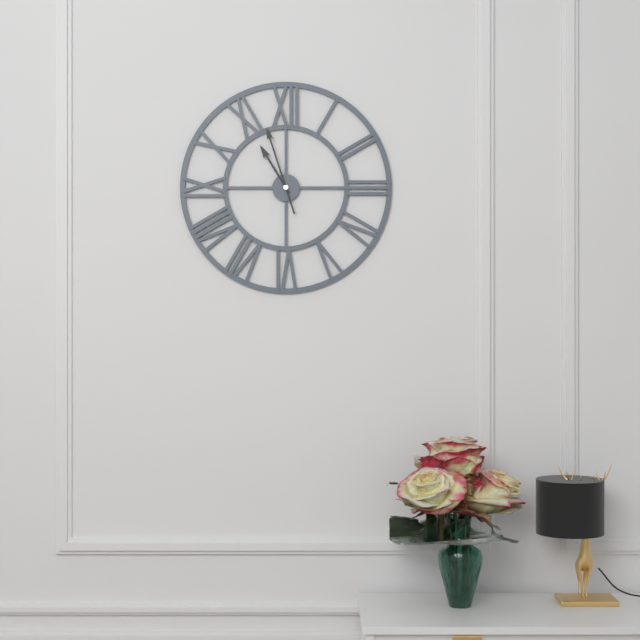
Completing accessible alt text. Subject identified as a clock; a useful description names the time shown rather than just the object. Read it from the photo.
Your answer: 10:57
